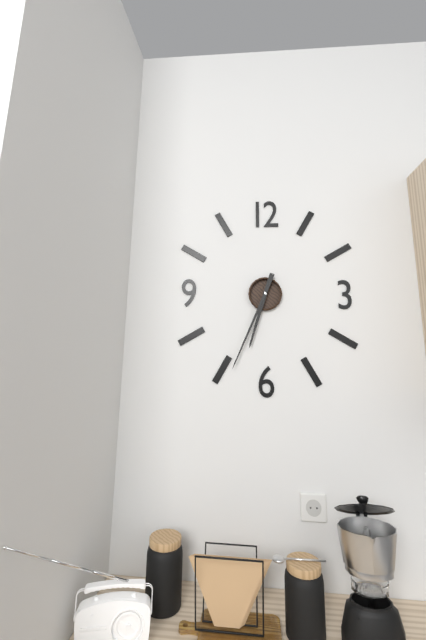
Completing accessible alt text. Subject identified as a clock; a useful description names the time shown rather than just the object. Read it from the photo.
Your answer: 6:34
